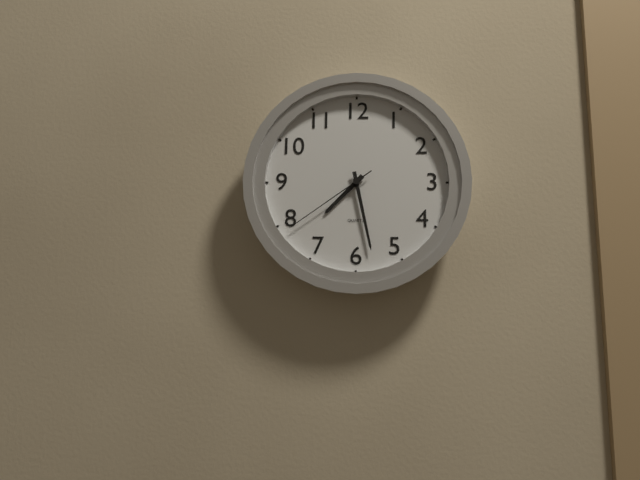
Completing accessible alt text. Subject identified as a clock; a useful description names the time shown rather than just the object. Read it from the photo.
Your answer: 7:28:39
